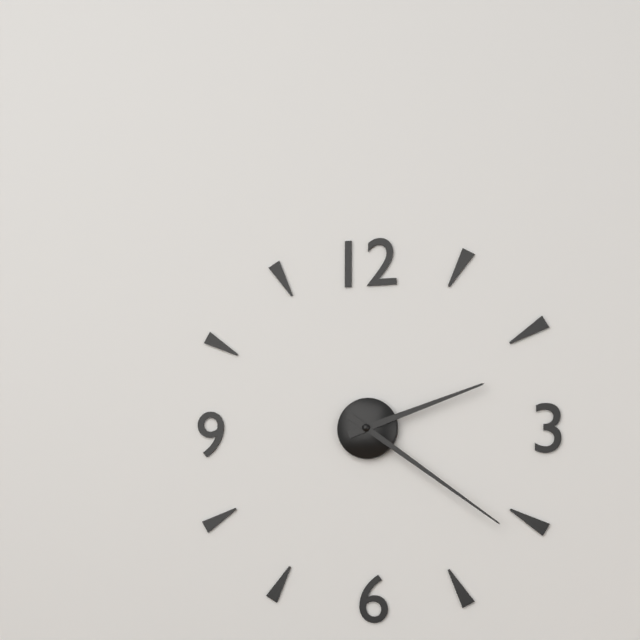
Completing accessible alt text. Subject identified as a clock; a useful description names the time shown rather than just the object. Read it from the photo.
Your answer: 2:21
